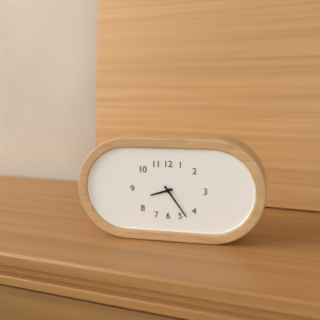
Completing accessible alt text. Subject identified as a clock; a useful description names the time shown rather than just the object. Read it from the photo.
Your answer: 8:24
